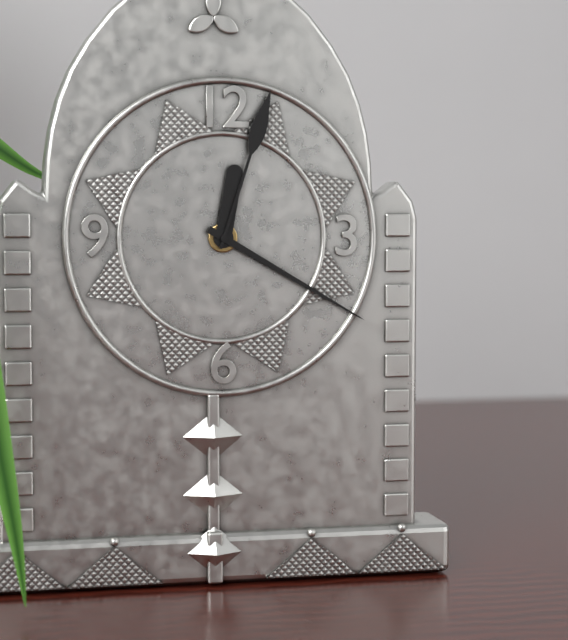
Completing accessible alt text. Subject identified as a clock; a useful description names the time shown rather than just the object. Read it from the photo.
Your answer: 12:20:03
